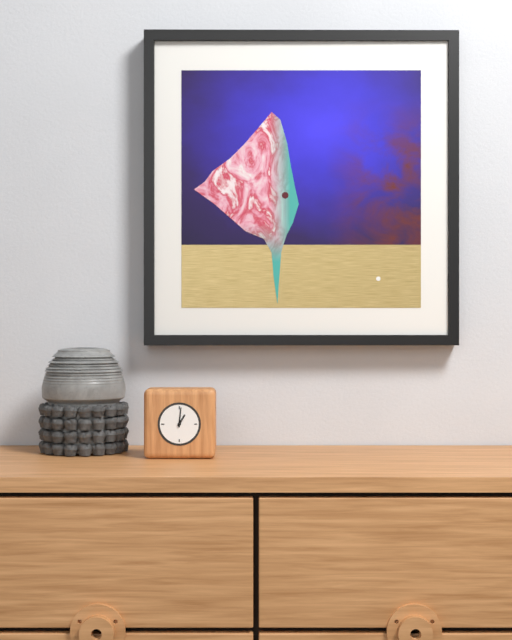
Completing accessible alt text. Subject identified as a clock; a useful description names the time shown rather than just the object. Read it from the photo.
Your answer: 1:01
